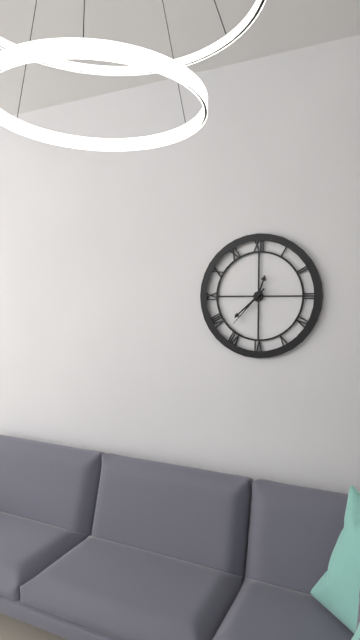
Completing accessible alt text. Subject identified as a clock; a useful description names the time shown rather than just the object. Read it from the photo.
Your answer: 12:38
